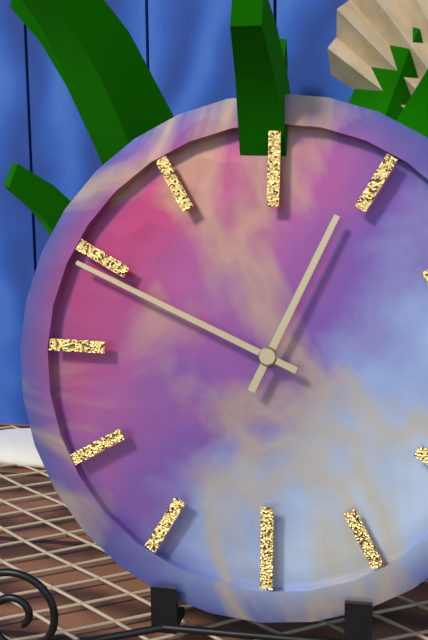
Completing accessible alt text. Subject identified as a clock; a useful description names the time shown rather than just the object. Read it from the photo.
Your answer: 12:49
